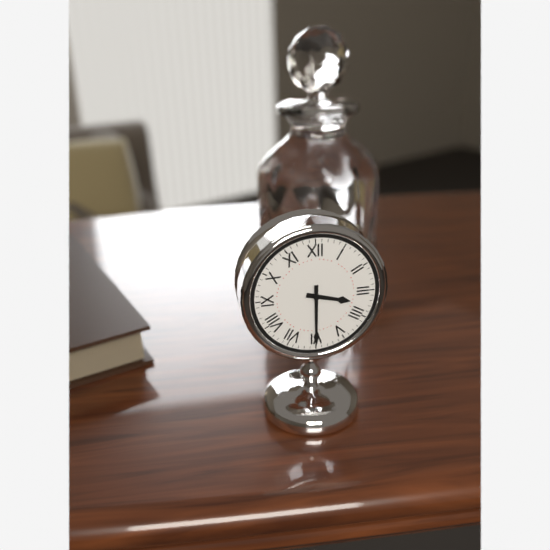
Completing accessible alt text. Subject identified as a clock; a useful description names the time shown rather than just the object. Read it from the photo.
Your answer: 3:30
